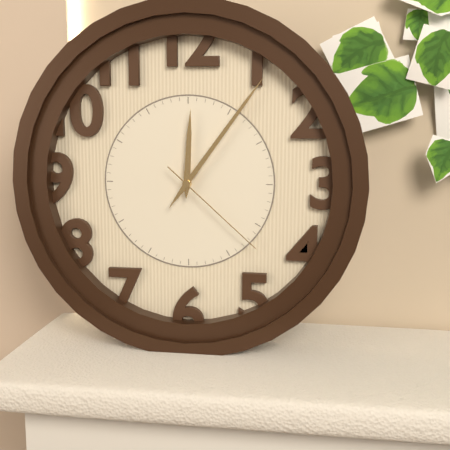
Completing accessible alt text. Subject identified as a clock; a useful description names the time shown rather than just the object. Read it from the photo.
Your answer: 12:06:22
